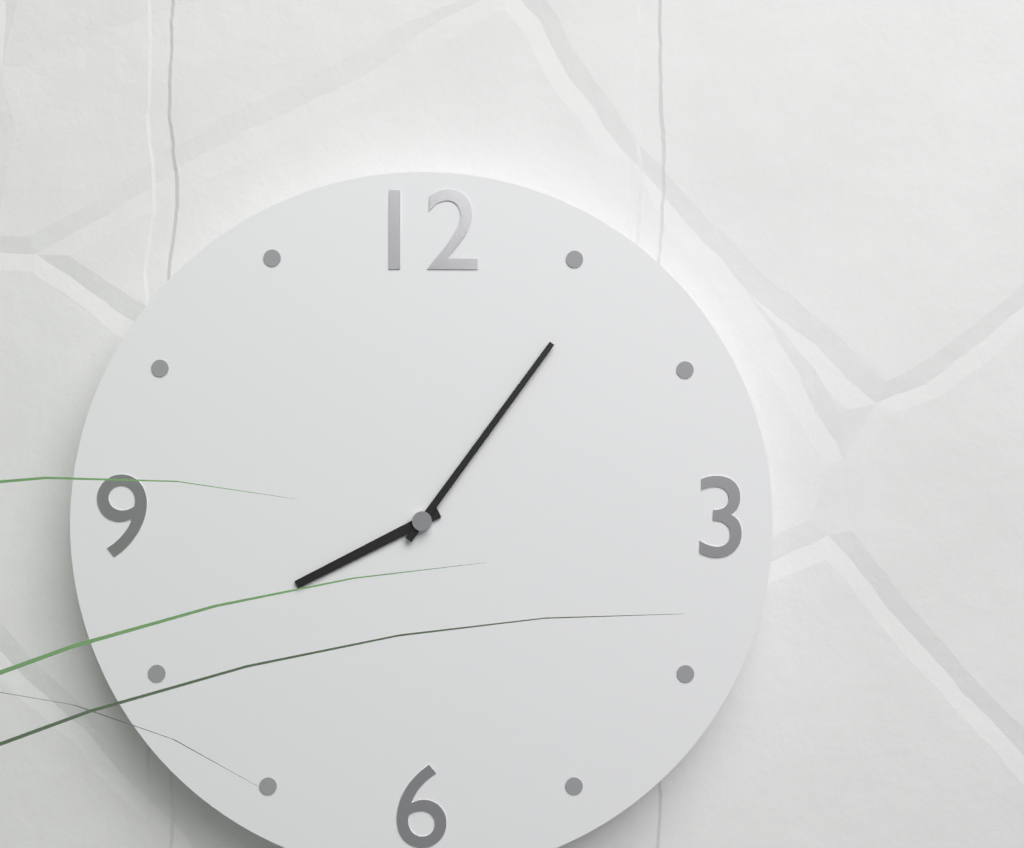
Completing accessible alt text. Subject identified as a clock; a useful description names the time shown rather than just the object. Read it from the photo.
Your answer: 8:06
